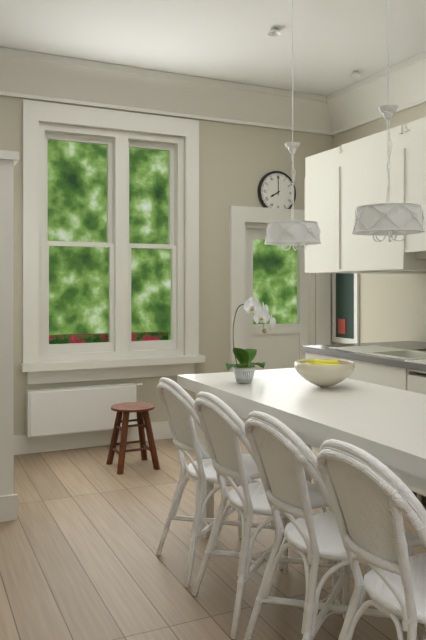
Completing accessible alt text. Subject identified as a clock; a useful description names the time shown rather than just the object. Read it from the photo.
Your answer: 8:00
